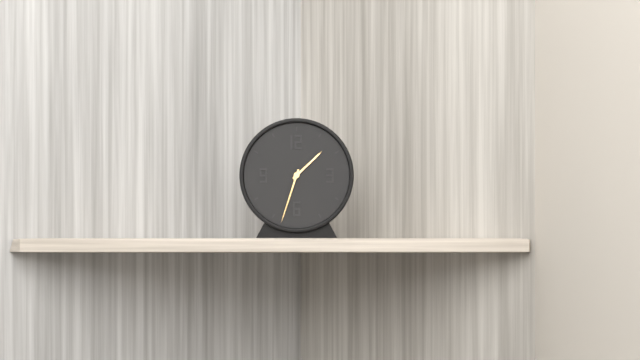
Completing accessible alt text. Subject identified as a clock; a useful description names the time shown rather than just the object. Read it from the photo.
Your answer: 1:33
